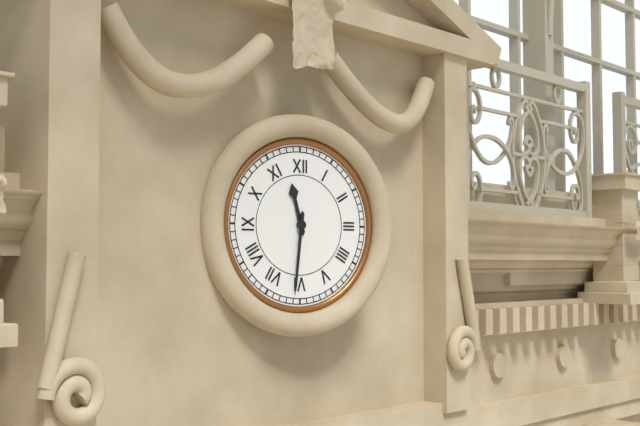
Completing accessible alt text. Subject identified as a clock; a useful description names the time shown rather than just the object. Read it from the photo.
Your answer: 11:31
